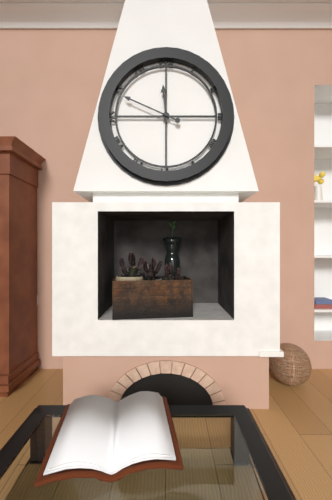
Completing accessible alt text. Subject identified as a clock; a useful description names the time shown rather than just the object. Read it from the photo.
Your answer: 11:49
